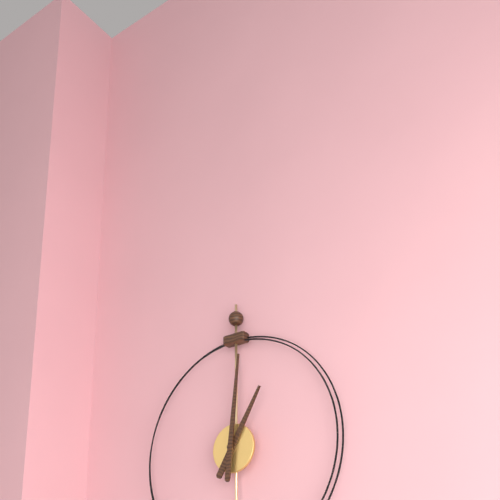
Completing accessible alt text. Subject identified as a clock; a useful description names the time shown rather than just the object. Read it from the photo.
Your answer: 1:01
